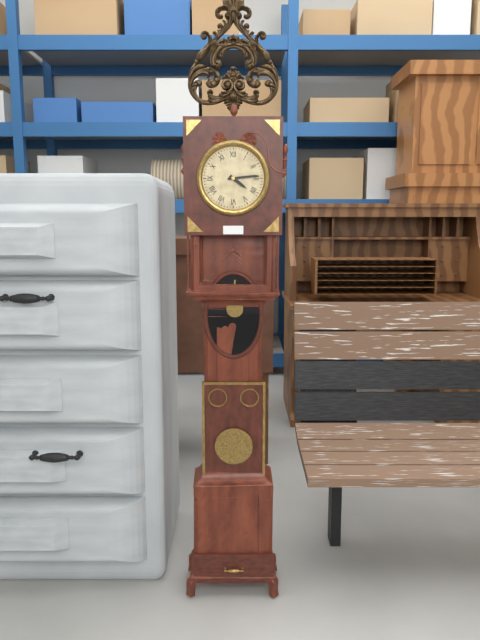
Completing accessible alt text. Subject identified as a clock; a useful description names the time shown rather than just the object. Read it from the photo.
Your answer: 4:14
